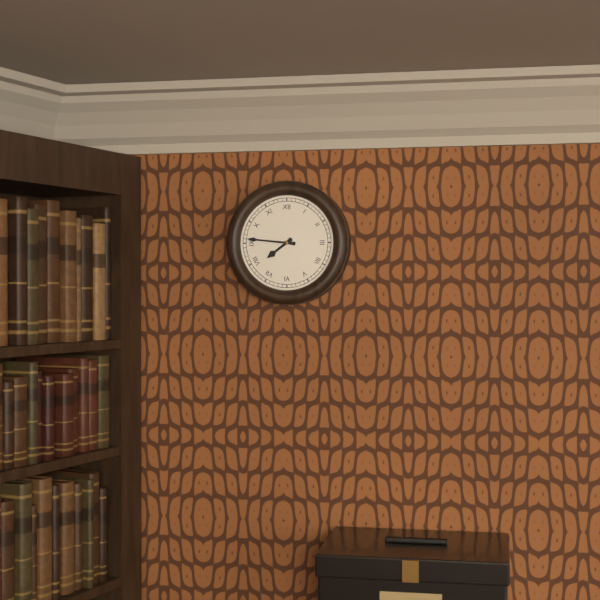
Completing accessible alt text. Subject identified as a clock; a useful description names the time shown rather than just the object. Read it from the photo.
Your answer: 7:46
